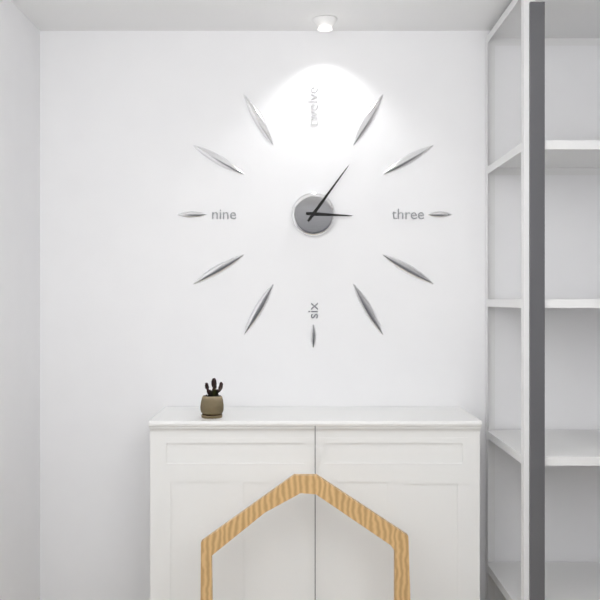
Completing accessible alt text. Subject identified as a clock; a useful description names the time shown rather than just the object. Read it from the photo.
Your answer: 3:06
